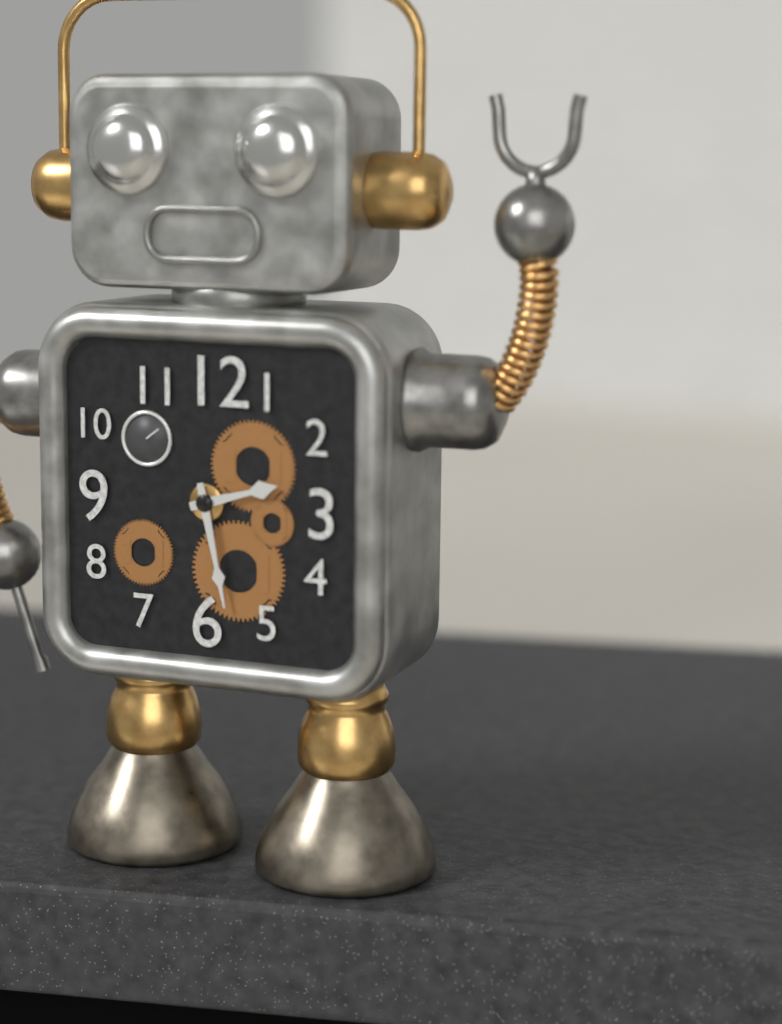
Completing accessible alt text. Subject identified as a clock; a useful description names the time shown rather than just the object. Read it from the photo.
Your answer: 2:28
